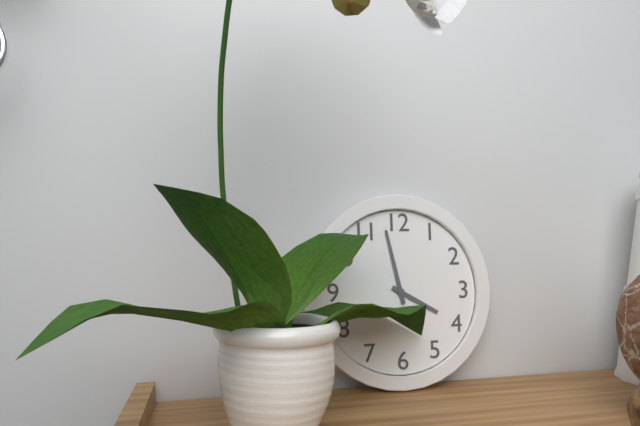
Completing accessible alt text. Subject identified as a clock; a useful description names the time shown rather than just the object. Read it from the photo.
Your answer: 3:58
